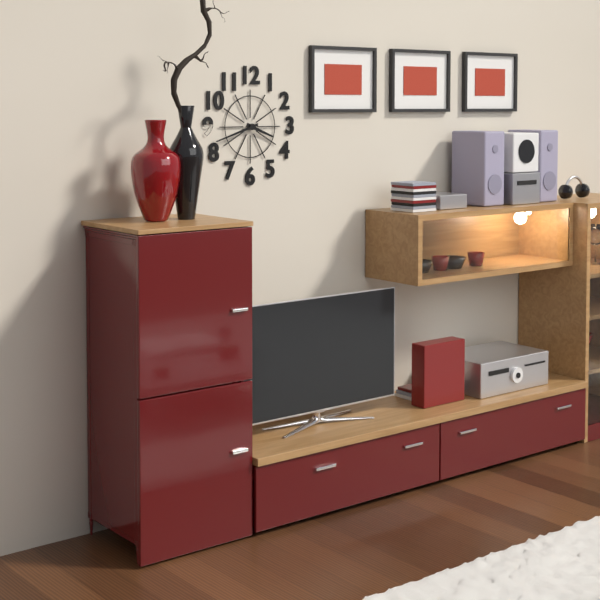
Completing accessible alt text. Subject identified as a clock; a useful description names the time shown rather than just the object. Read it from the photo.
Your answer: 3:42
